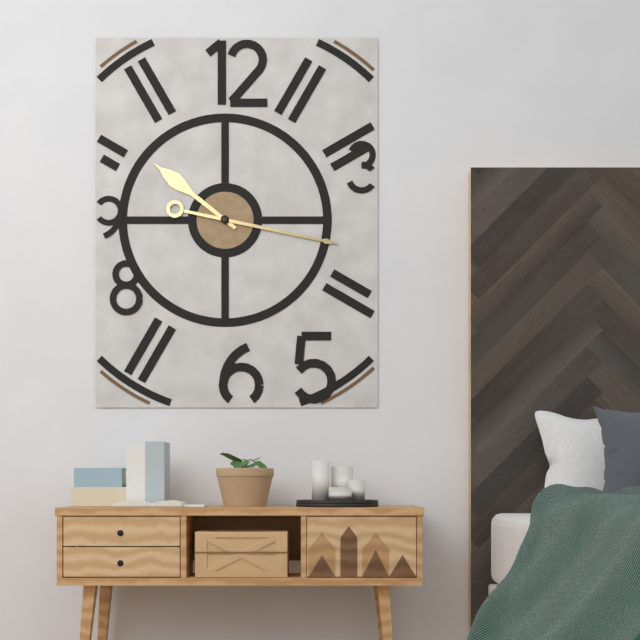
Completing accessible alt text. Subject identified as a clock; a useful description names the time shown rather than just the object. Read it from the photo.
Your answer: 10:17
